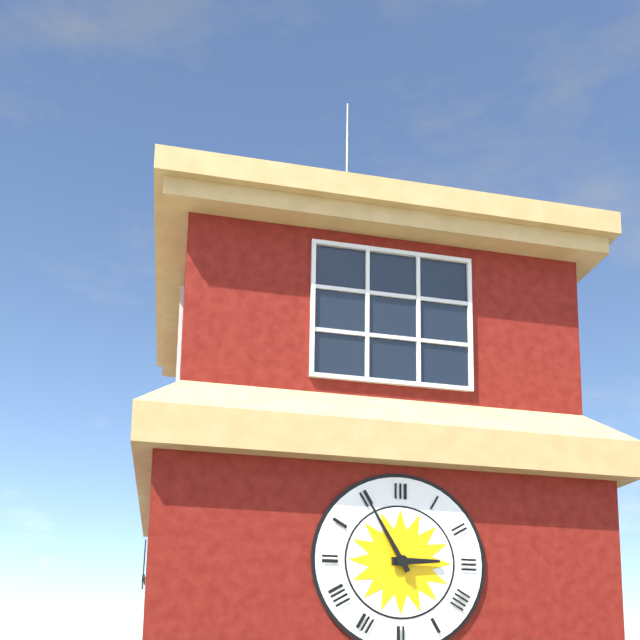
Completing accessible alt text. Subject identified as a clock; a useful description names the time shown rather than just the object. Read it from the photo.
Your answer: 2:55
